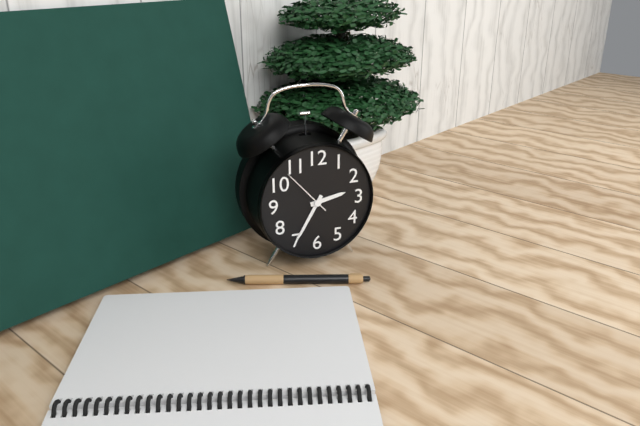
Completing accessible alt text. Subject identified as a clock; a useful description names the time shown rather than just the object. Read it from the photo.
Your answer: 2:35:53
